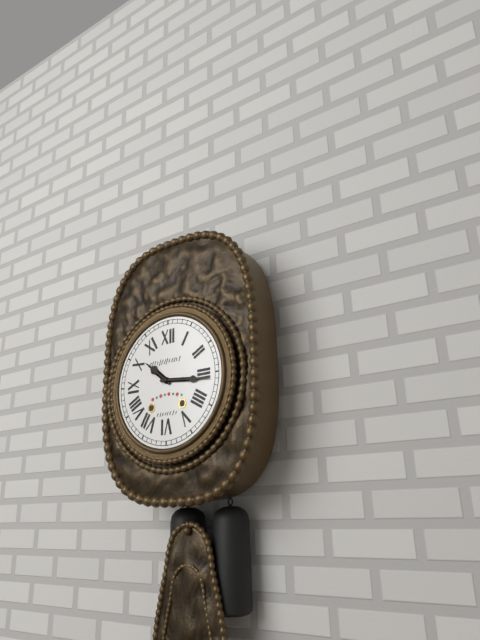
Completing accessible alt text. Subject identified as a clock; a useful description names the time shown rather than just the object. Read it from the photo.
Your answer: 10:16
